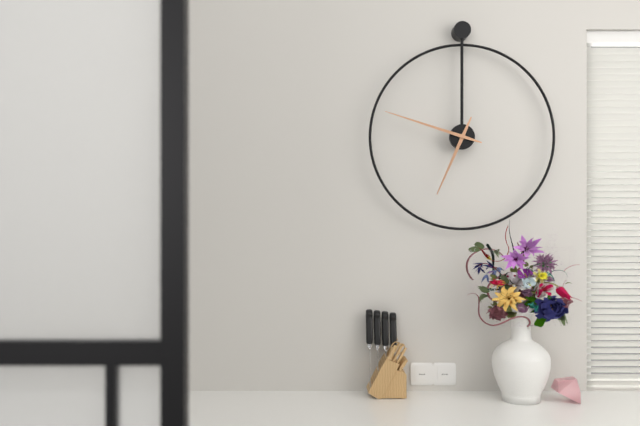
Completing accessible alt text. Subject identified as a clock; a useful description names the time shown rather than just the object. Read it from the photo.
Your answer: 6:48
